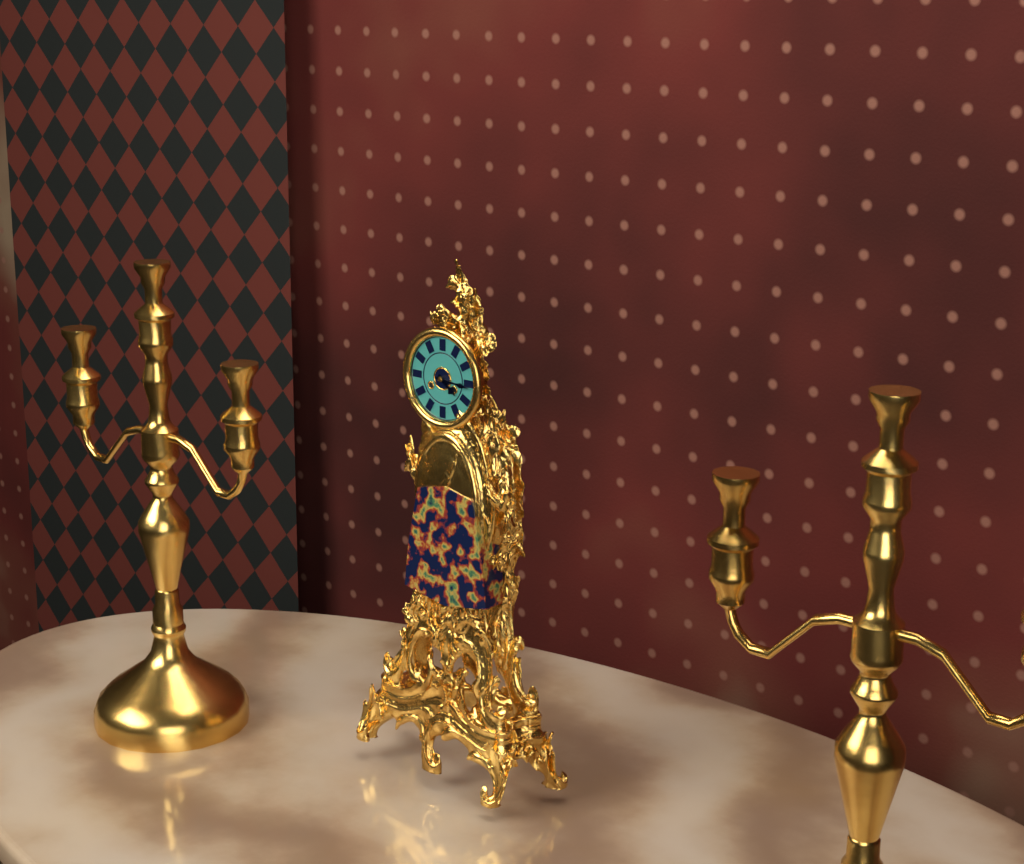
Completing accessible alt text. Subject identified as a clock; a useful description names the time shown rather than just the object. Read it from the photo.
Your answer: 4:16
